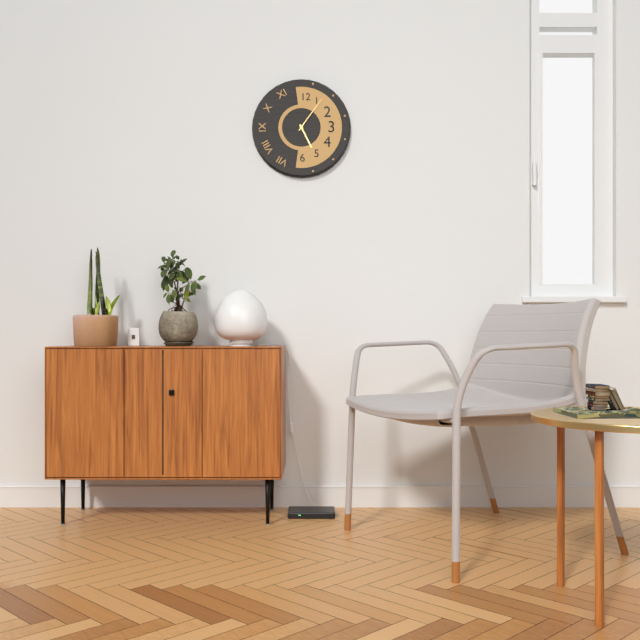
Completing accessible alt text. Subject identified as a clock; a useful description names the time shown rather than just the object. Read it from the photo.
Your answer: 5:06
